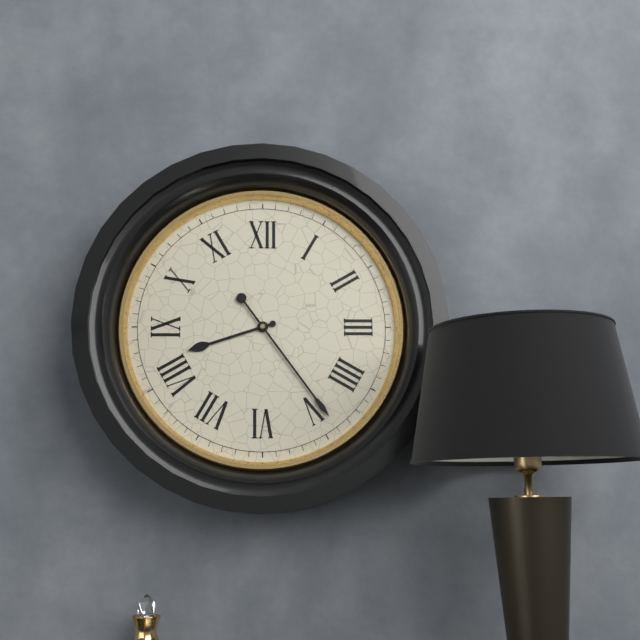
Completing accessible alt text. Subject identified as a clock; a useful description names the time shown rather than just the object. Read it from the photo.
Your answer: 8:24
